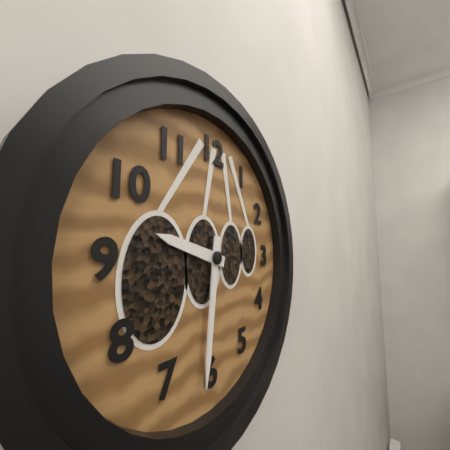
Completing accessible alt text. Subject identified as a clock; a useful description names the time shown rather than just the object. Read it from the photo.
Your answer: 9:31
